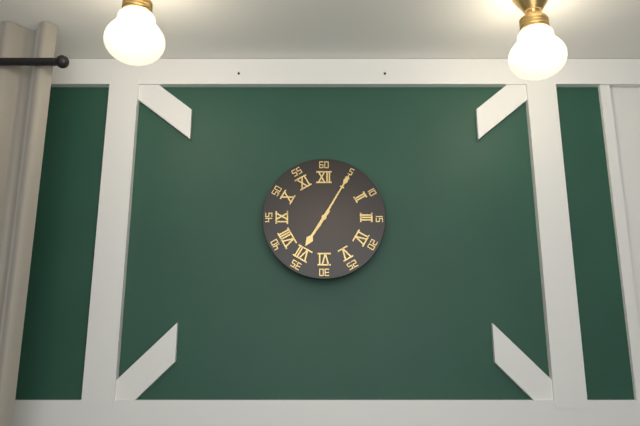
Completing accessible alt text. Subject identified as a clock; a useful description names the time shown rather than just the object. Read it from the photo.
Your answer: 7:05
